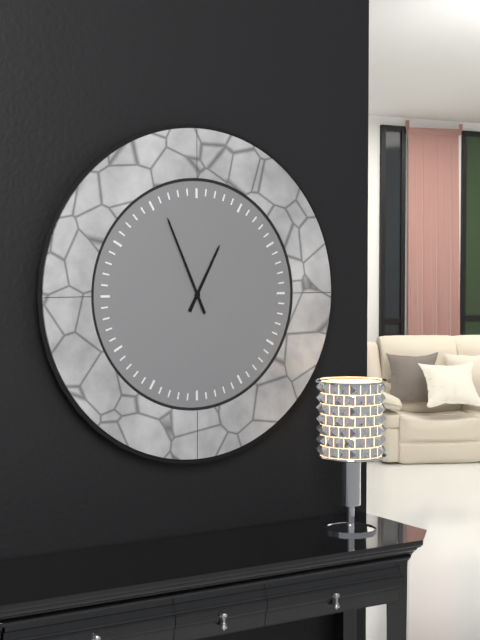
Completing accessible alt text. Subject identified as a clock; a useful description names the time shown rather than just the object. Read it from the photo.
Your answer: 12:56
